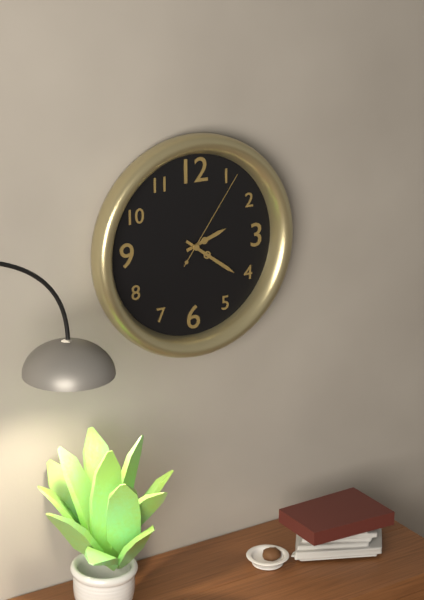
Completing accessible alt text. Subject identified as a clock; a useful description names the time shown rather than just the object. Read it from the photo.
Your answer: 2:21:06
